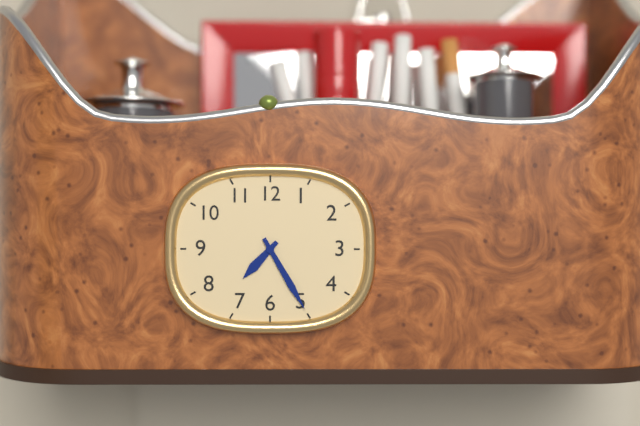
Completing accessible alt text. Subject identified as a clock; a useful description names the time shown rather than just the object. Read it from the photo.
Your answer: 7:25
